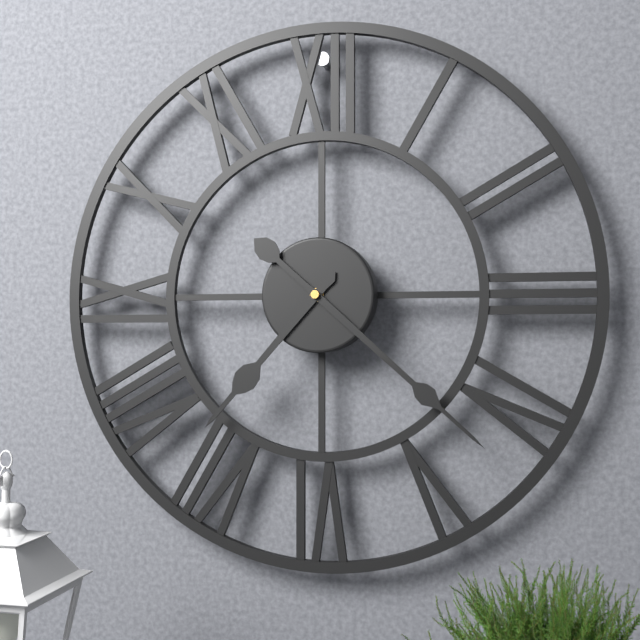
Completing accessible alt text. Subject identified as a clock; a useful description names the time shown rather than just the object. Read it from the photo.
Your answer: 7:22
